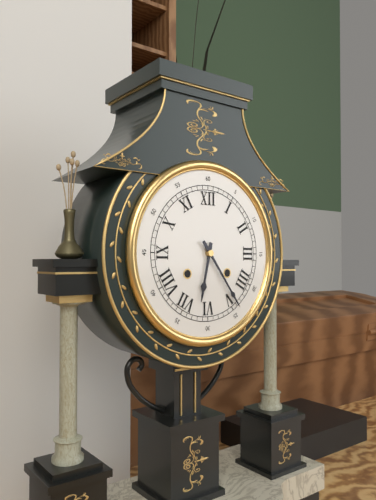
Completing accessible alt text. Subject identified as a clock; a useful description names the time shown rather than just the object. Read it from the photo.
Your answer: 6:24
